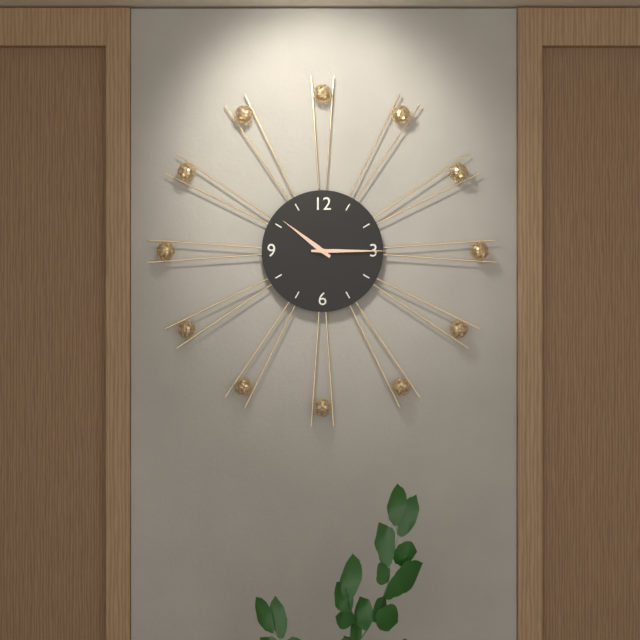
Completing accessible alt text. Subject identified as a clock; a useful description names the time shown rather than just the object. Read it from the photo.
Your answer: 10:15
